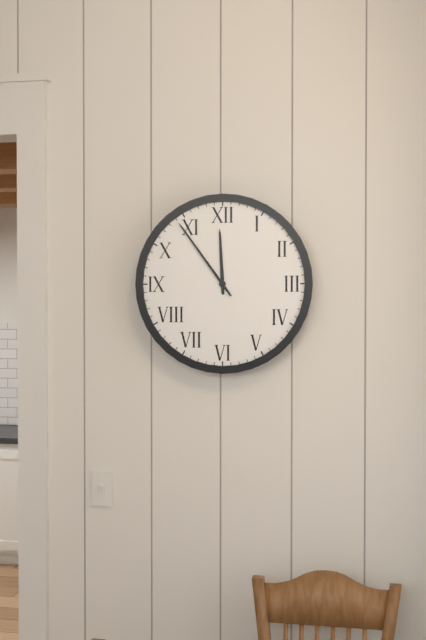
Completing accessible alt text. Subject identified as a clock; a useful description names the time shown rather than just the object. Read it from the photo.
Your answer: 11:54
